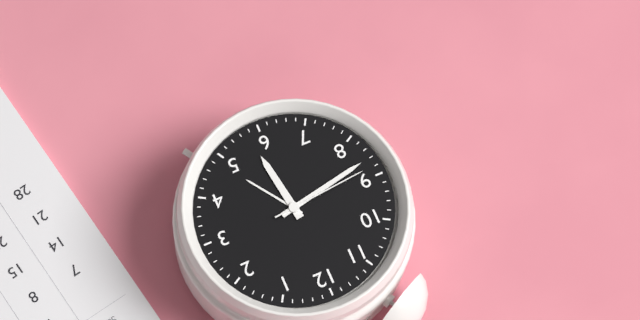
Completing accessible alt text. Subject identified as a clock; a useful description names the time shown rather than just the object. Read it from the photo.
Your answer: 5:43:44
